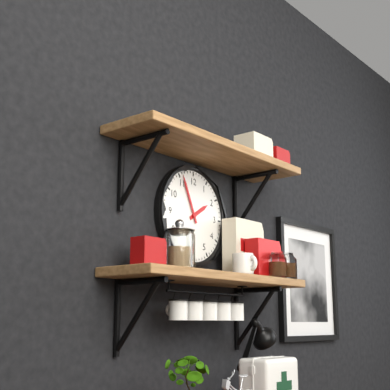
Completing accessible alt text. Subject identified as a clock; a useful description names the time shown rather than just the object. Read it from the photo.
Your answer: 1:56
